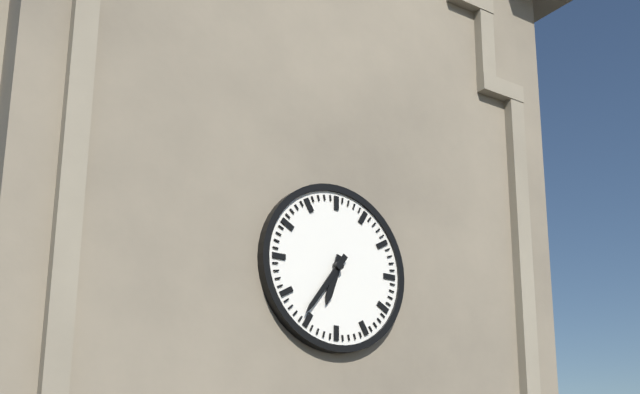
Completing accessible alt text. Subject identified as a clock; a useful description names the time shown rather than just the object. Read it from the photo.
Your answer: 6:36
